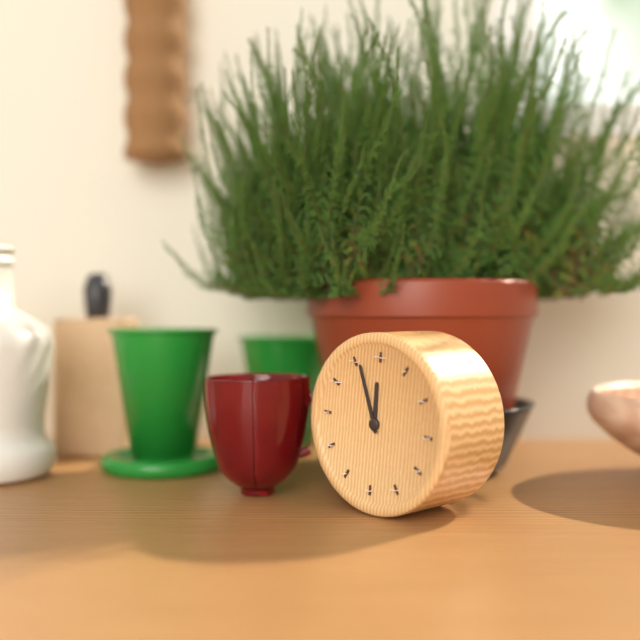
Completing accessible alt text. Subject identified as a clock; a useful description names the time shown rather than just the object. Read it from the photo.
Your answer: 11:56
